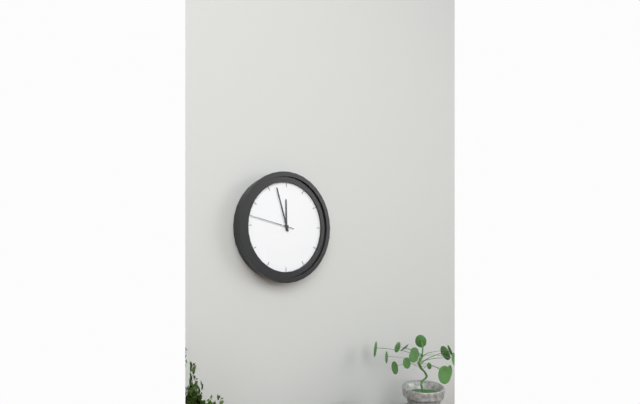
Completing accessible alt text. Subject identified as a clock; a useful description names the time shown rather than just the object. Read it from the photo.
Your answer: 11:57
